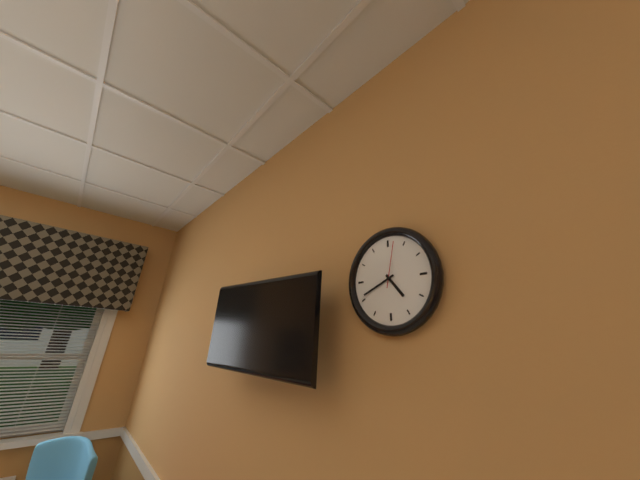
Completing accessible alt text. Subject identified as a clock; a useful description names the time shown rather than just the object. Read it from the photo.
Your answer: 4:41
